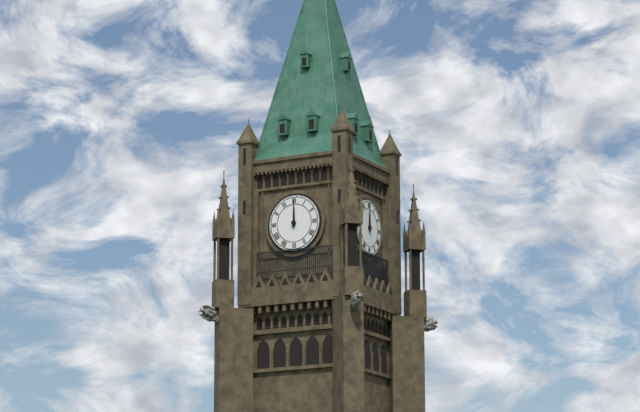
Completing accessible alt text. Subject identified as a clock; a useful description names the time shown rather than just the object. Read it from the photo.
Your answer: 12:00
